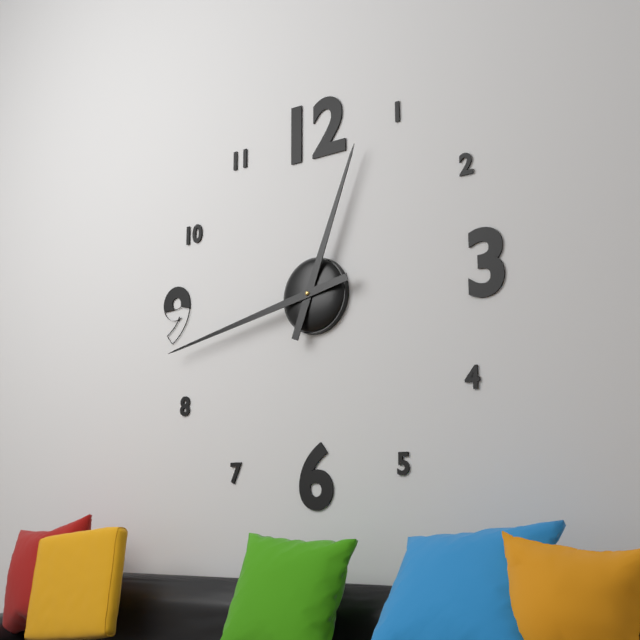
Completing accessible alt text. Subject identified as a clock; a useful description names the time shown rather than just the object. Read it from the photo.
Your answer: 12:43
